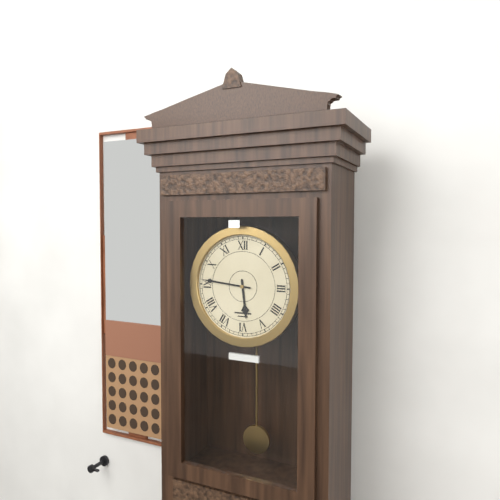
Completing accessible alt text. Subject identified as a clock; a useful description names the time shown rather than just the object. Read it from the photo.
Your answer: 5:46
